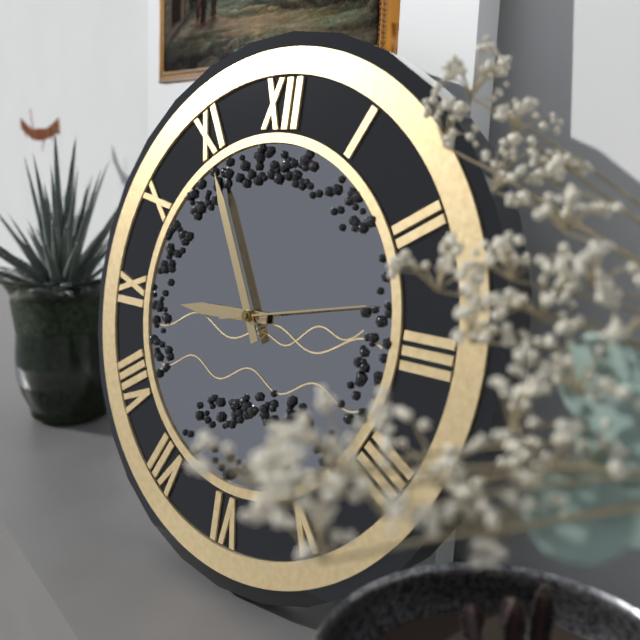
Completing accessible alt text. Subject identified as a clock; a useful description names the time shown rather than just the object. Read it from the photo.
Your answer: 8:55:13
